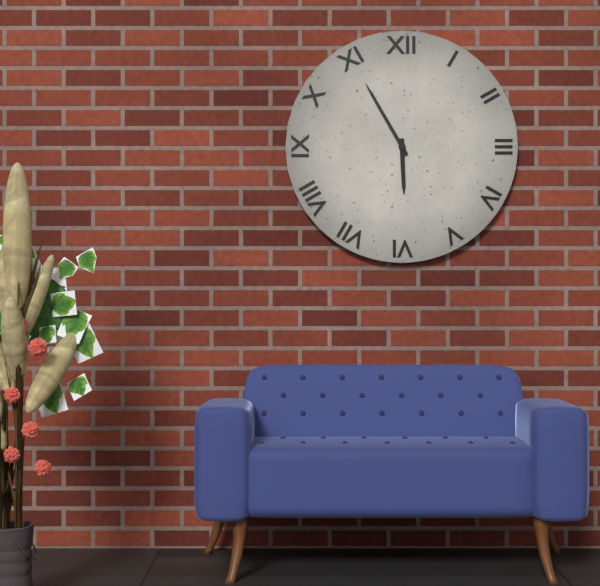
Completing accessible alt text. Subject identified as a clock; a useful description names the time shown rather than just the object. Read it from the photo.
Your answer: 5:55
